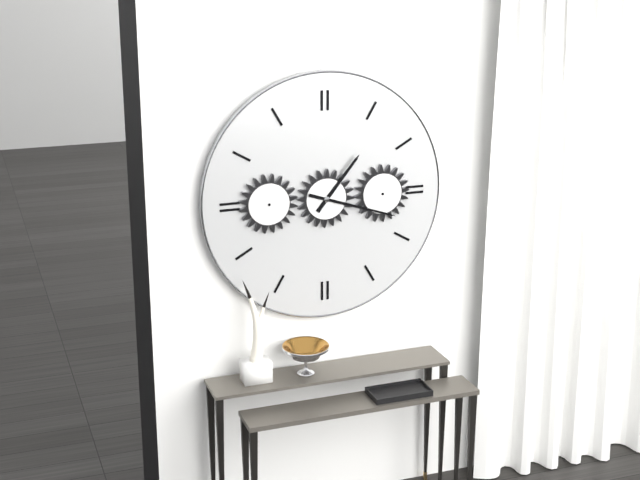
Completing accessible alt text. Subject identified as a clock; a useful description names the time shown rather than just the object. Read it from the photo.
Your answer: 1:18
